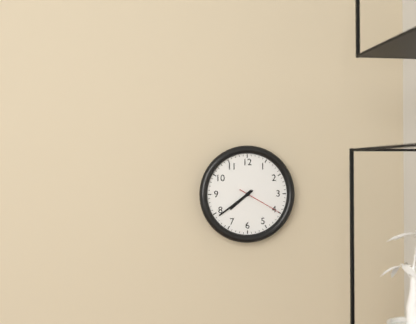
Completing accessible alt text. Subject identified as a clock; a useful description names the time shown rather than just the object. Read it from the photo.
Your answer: 7:39
